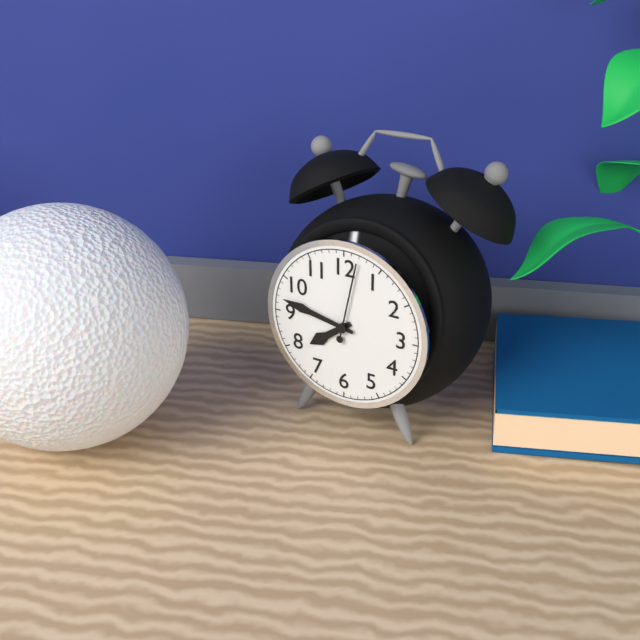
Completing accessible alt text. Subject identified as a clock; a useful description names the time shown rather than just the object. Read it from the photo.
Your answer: 7:47:02
